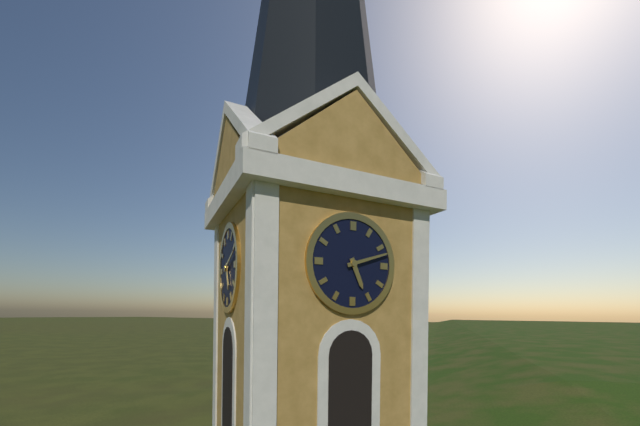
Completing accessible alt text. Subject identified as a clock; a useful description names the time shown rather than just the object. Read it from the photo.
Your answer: 5:12
